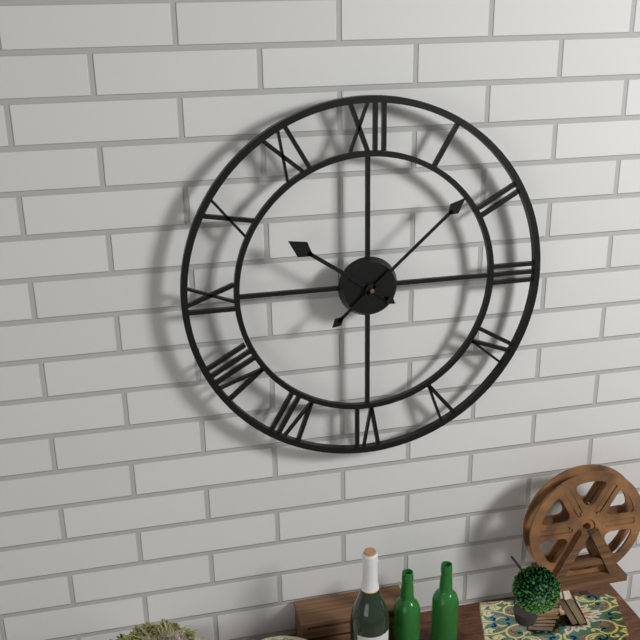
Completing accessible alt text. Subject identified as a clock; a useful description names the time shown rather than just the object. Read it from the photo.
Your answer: 10:08
